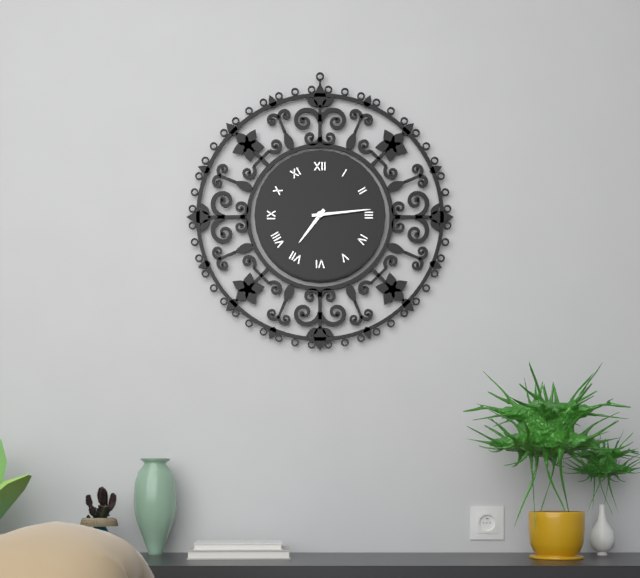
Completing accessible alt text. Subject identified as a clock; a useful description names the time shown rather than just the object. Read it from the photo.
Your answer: 7:14
